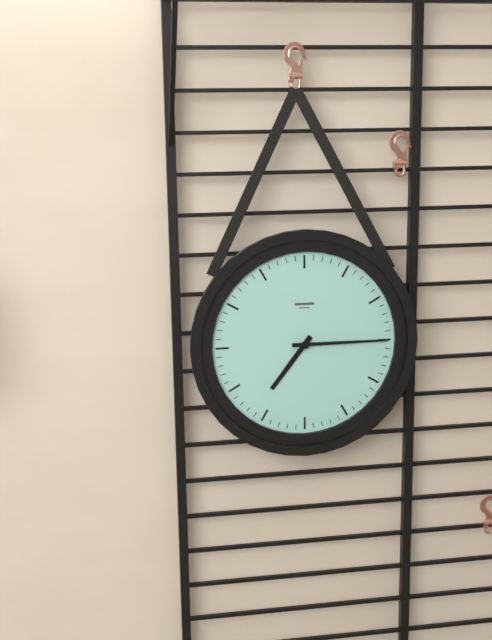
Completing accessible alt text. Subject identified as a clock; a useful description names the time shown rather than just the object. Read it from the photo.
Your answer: 7:15
